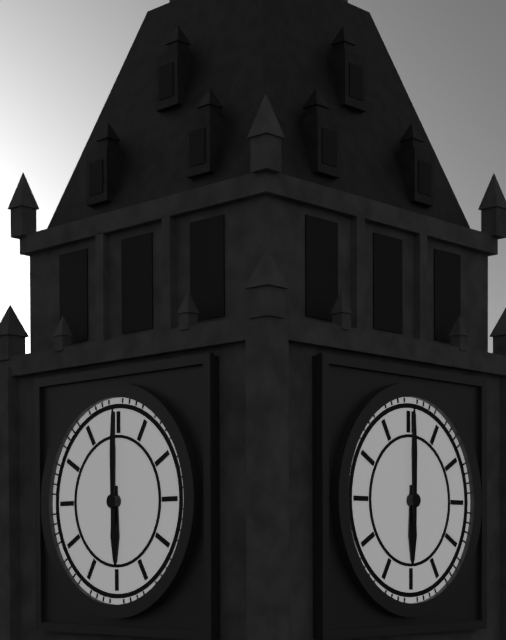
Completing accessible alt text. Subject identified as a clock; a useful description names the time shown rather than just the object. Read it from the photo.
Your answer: 6:00
